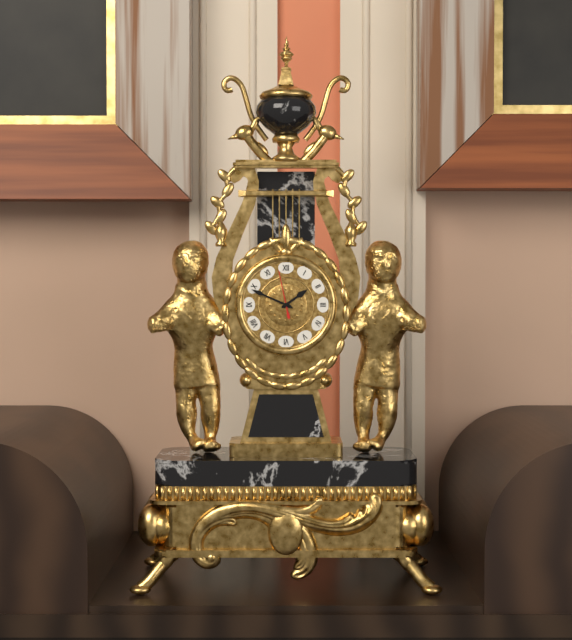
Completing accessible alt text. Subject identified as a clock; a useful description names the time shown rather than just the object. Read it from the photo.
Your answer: 1:49
